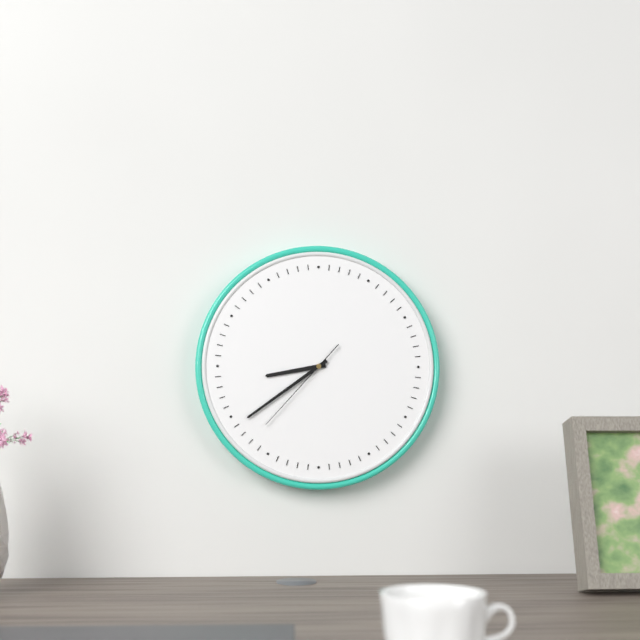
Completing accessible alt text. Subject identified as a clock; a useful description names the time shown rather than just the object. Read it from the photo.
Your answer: 8:39:37
